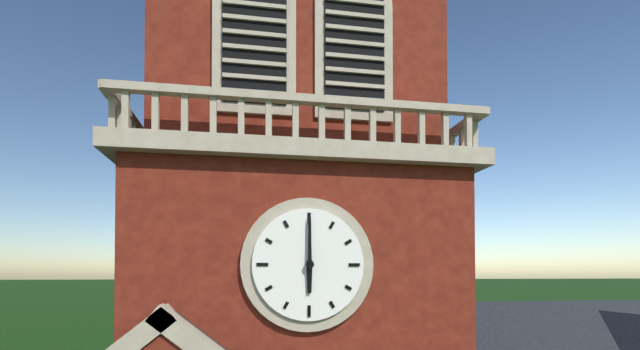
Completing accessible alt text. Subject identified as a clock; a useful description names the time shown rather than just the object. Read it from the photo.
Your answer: 6:00
